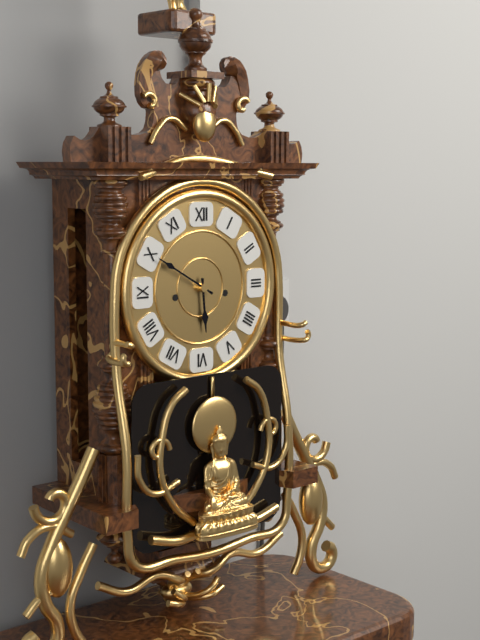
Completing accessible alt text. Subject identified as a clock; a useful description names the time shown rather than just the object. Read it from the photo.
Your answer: 5:50
